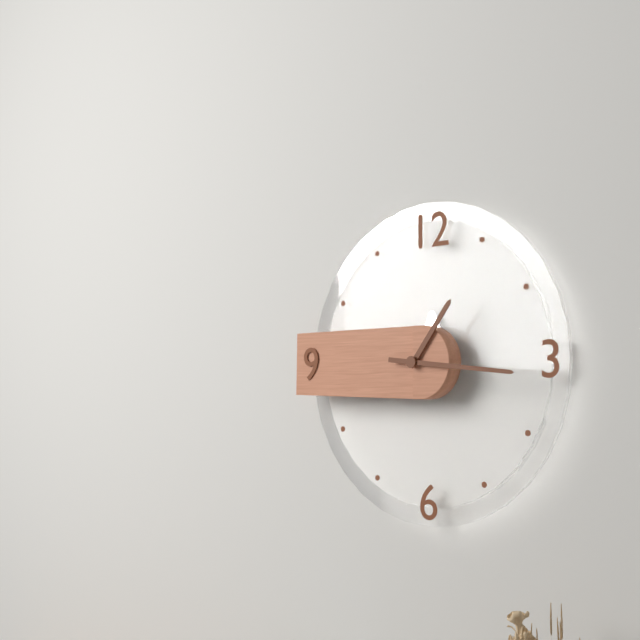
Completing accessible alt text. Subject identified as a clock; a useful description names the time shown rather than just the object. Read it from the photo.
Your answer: 1:16
